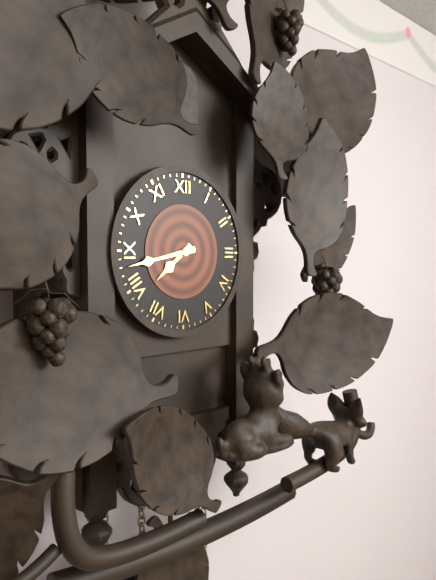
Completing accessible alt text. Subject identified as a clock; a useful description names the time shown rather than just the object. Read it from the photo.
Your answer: 7:43
